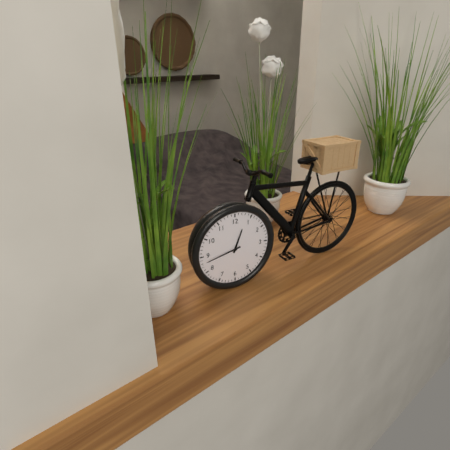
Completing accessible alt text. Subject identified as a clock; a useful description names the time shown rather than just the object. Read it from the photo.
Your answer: 12:43
